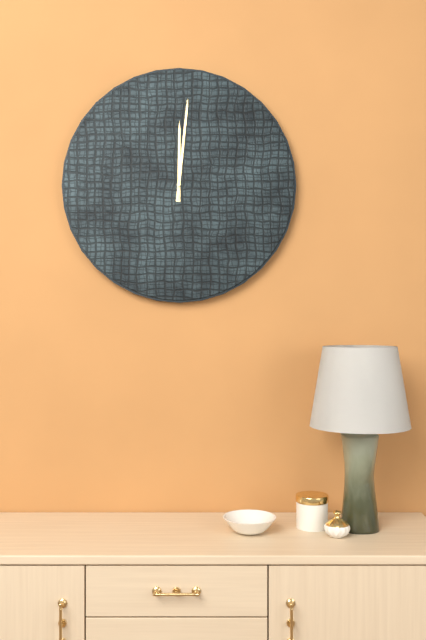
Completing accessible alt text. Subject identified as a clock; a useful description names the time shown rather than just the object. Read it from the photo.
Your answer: 12:01
